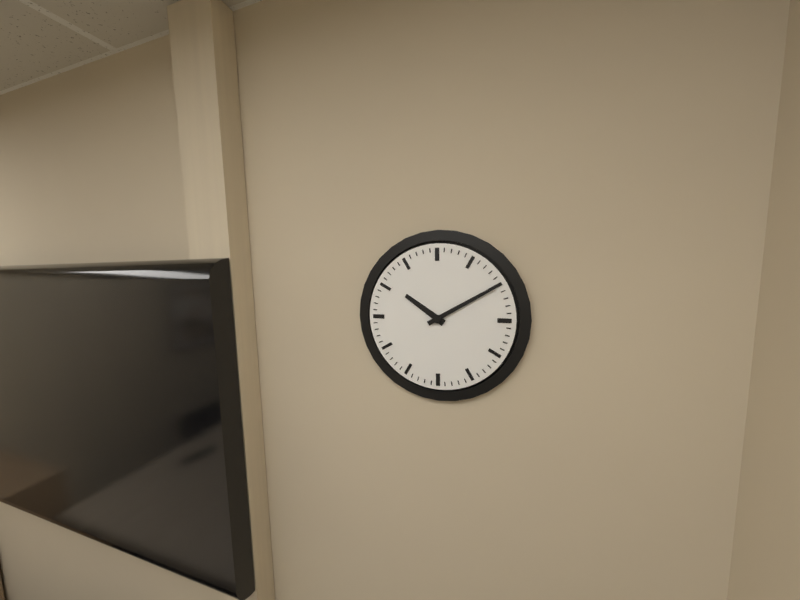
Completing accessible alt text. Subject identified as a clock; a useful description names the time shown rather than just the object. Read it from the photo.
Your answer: 10:10
